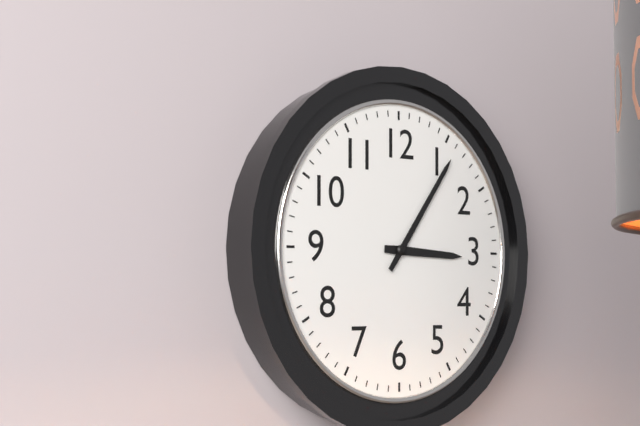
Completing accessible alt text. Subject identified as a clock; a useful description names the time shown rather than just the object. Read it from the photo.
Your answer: 3:06
